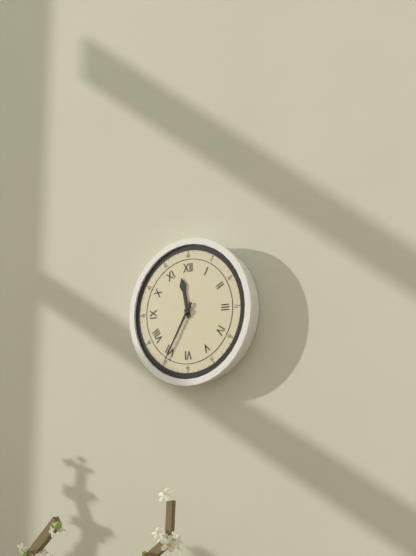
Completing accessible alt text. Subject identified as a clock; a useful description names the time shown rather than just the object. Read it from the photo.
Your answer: 11:35
